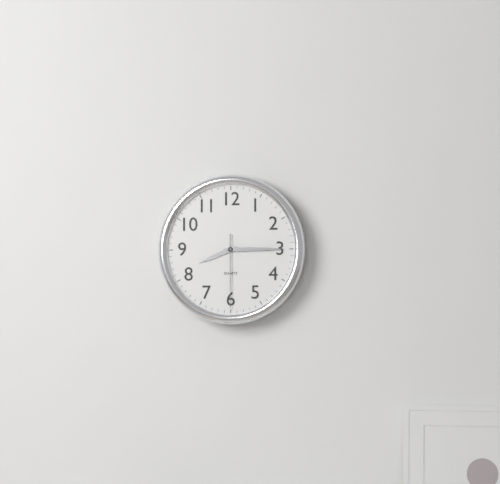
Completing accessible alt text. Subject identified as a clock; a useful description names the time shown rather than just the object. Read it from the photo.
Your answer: 8:15:30
